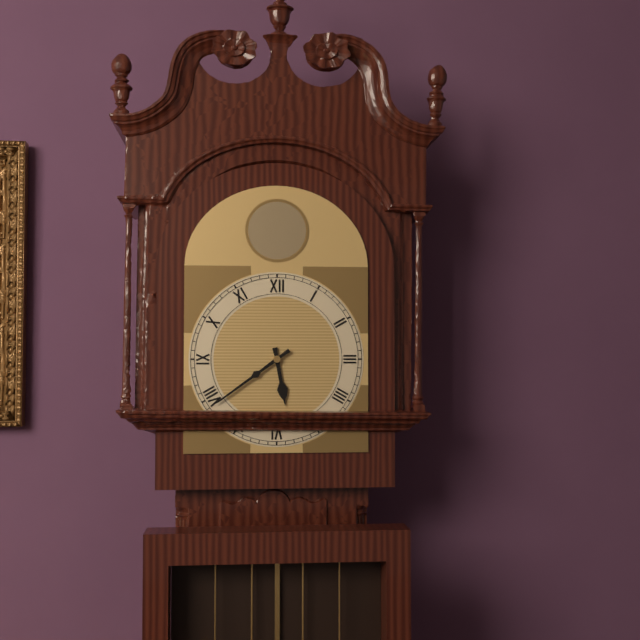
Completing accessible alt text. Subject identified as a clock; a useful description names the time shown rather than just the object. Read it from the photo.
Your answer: 5:39
